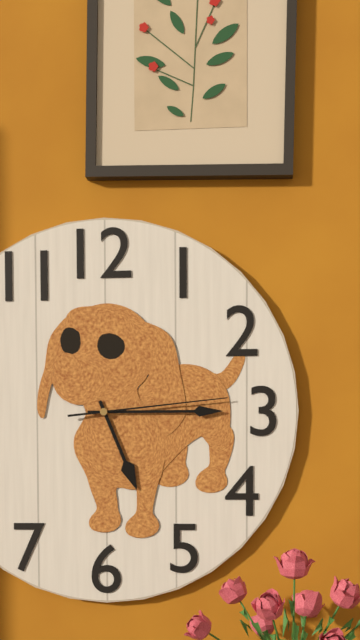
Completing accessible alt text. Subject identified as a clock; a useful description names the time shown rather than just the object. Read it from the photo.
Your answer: 5:15:14
